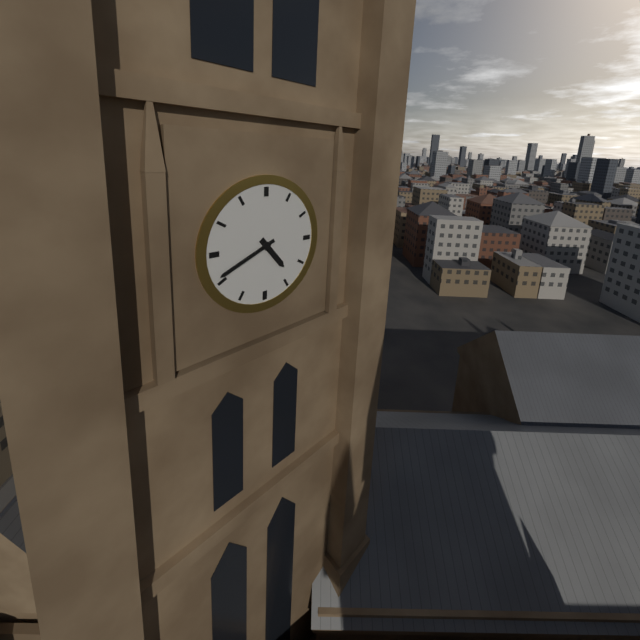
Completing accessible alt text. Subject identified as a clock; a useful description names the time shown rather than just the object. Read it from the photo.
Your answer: 4:41
